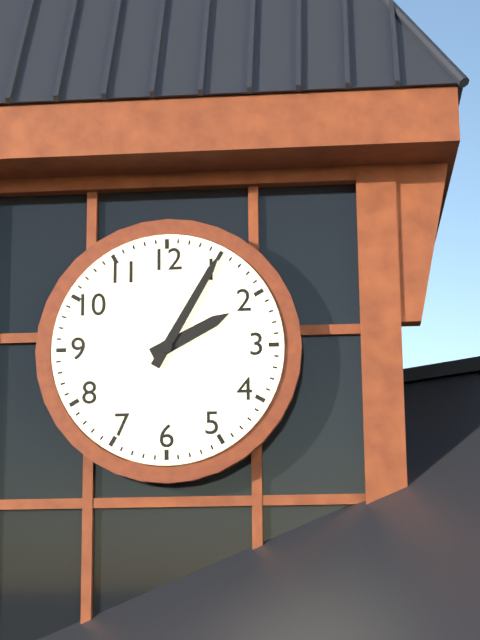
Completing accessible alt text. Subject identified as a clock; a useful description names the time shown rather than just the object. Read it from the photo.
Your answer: 2:05
